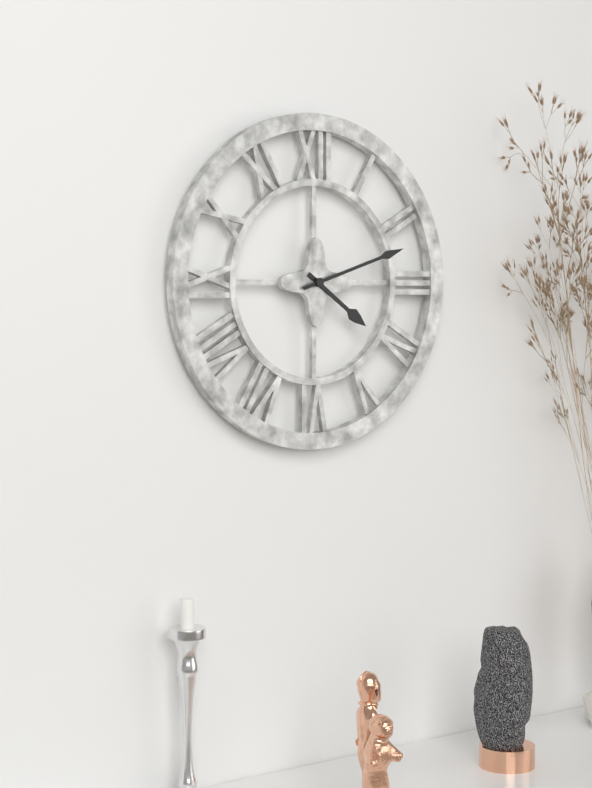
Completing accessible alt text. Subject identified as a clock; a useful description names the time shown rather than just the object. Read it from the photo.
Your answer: 4:12
